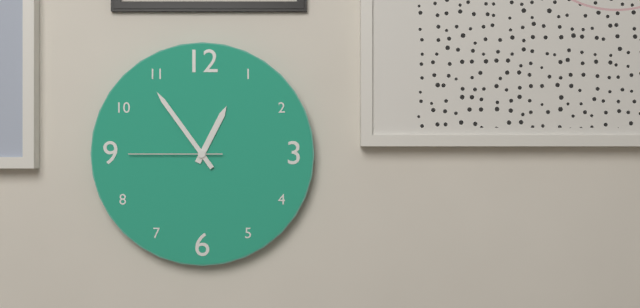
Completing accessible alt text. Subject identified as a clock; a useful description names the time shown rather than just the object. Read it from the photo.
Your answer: 12:54:45
